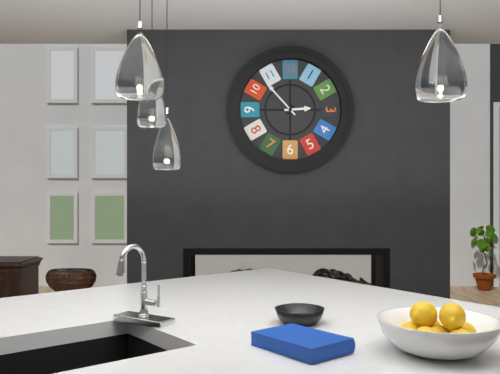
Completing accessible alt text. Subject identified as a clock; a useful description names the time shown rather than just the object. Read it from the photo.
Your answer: 2:53
